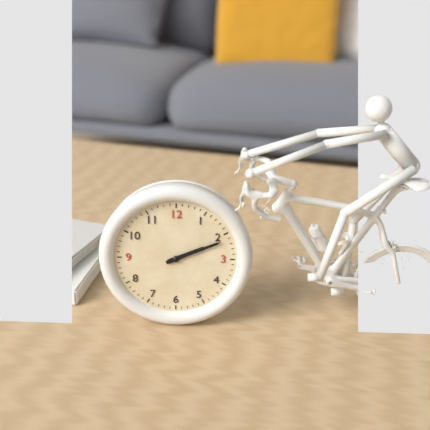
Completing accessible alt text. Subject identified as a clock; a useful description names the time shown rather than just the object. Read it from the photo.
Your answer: 2:11
